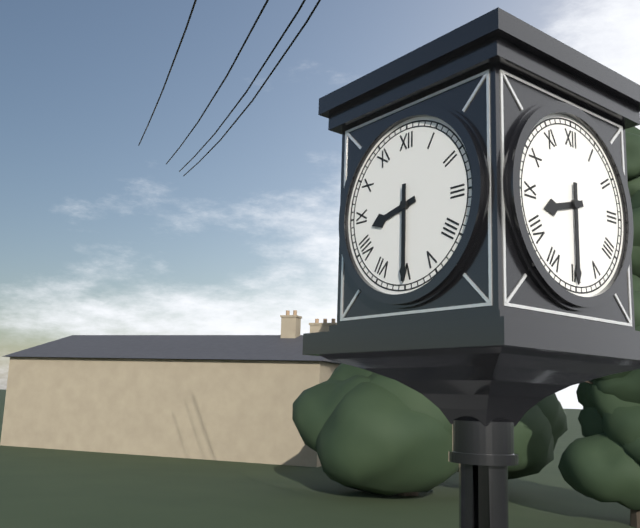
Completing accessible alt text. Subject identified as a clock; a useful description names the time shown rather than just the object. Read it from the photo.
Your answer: 8:30
